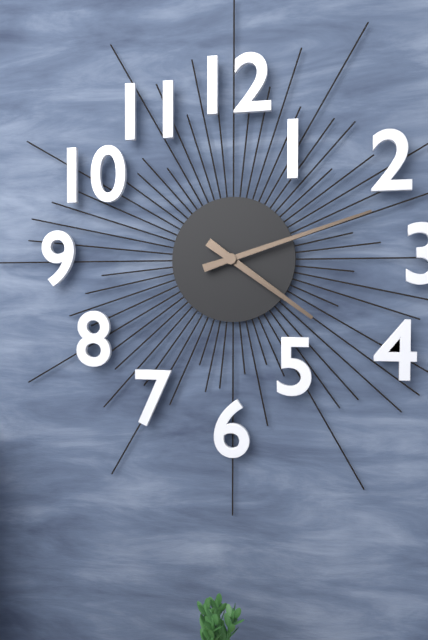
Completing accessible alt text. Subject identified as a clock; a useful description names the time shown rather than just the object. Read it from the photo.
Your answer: 4:12
